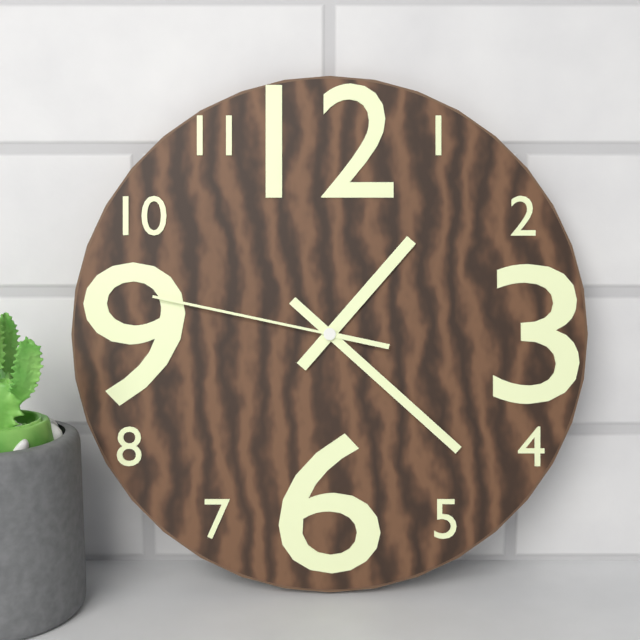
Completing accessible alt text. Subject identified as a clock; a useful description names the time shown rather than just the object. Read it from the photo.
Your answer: 1:22:47
